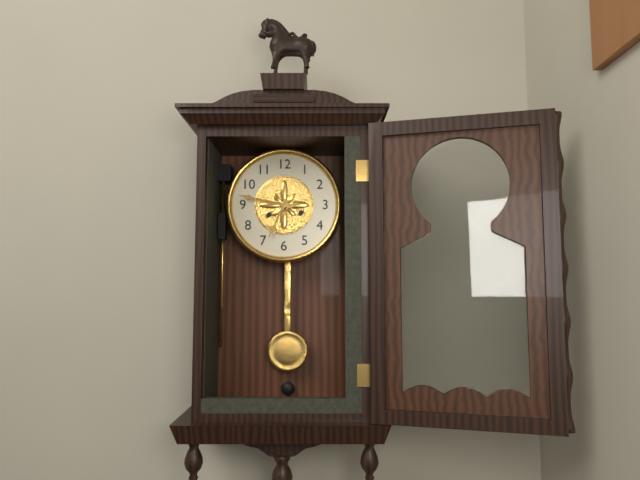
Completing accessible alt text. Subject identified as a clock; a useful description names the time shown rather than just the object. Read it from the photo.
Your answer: 6:47
